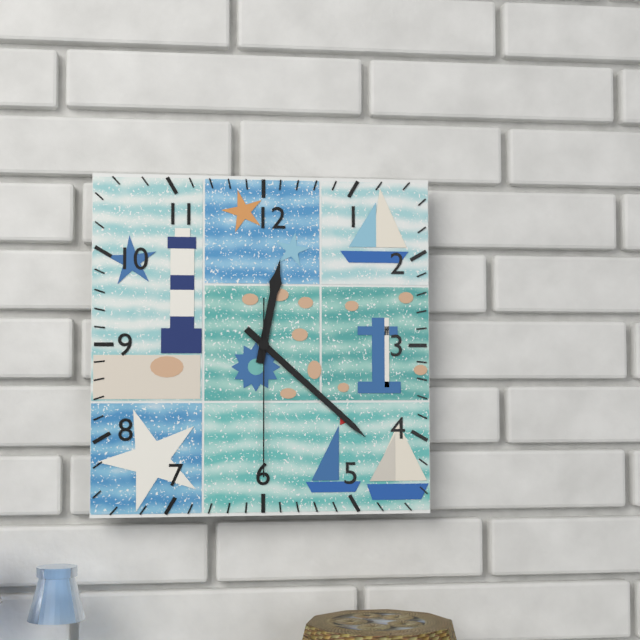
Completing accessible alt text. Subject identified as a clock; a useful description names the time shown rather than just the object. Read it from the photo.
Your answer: 12:22:30
